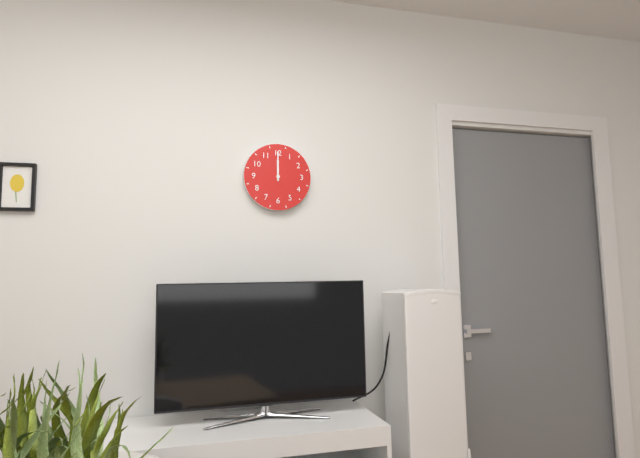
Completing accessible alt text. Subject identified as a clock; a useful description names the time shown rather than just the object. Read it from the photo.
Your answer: 12:00
